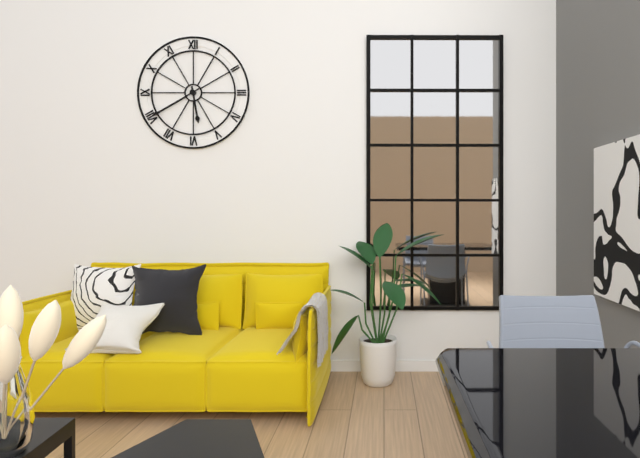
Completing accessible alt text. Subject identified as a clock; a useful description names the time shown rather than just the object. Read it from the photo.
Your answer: 5:40
